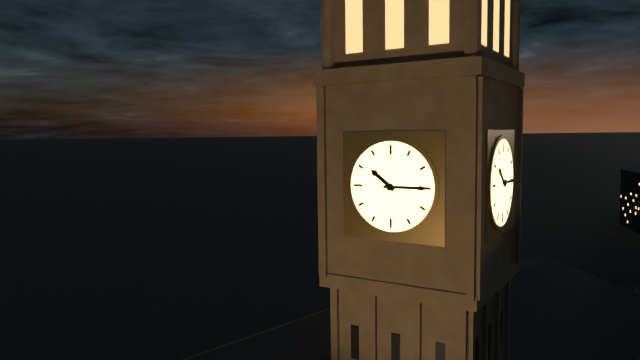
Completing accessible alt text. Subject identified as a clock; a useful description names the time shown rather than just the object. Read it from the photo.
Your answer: 10:15
